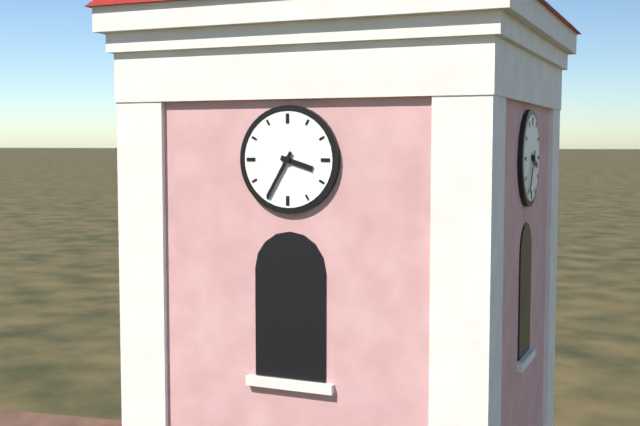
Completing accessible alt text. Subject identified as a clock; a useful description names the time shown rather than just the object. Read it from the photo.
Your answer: 3:35
